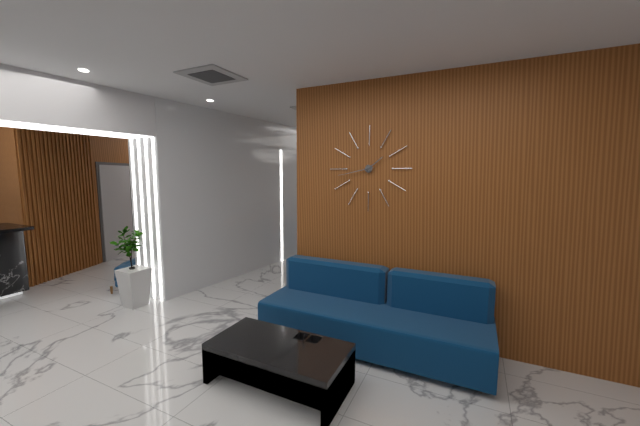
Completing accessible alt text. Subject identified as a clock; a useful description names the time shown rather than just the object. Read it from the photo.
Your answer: 1:43
